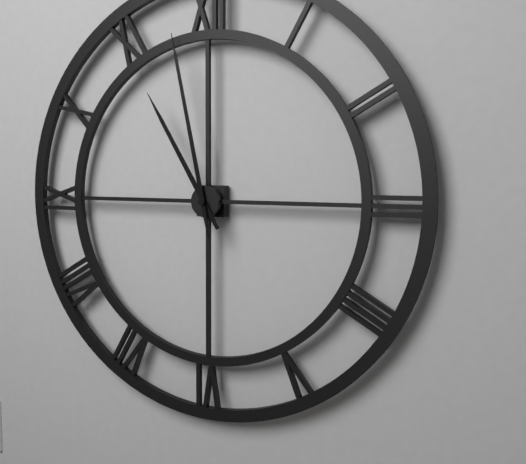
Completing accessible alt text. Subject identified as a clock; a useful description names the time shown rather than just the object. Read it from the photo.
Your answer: 10:58
